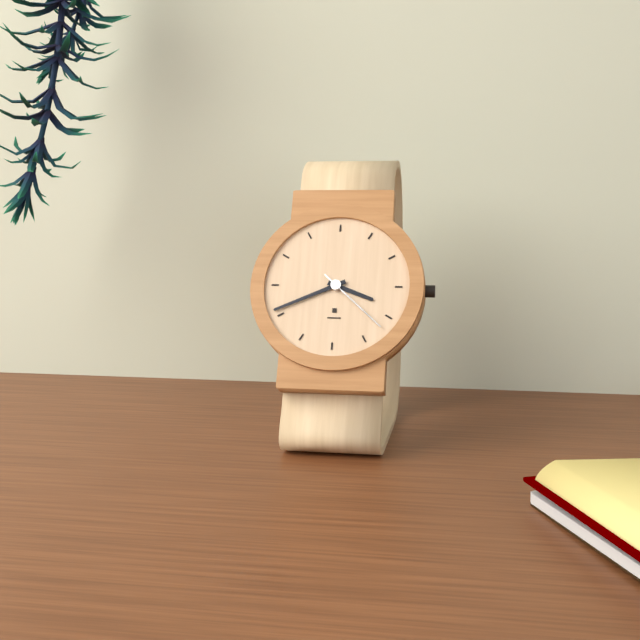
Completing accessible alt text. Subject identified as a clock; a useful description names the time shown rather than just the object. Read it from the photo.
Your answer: 3:41:22
